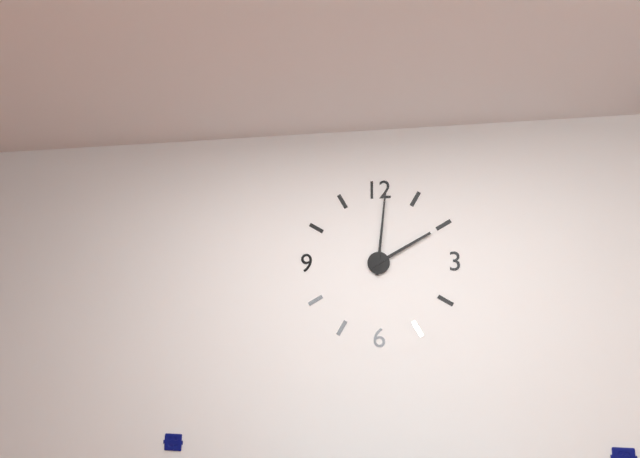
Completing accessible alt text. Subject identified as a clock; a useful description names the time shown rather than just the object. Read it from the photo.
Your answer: 2:01
